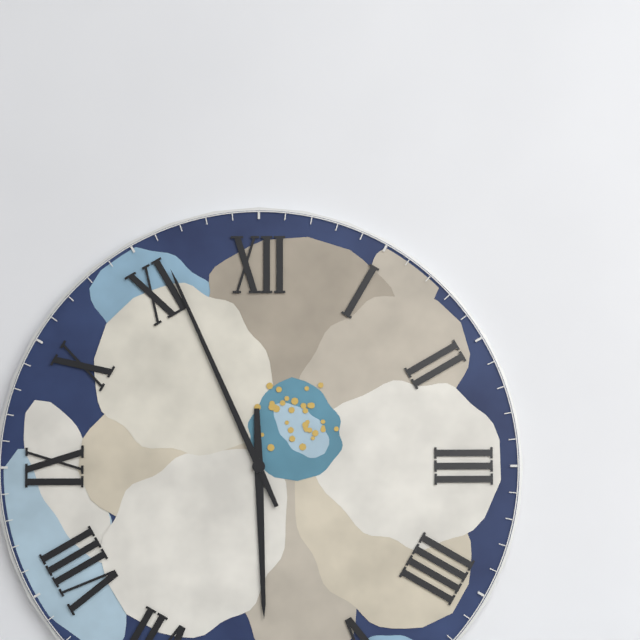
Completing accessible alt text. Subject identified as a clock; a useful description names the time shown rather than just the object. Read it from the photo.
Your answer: 5:56
